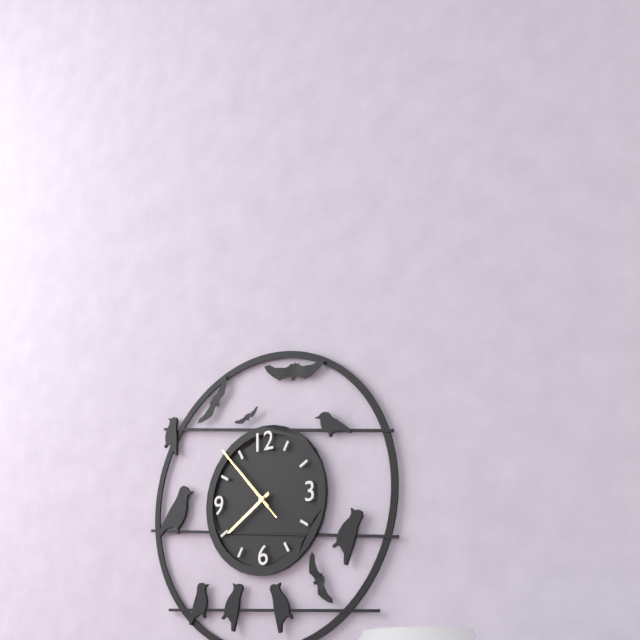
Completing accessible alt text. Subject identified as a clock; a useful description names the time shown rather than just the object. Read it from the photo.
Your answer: 7:53:53
